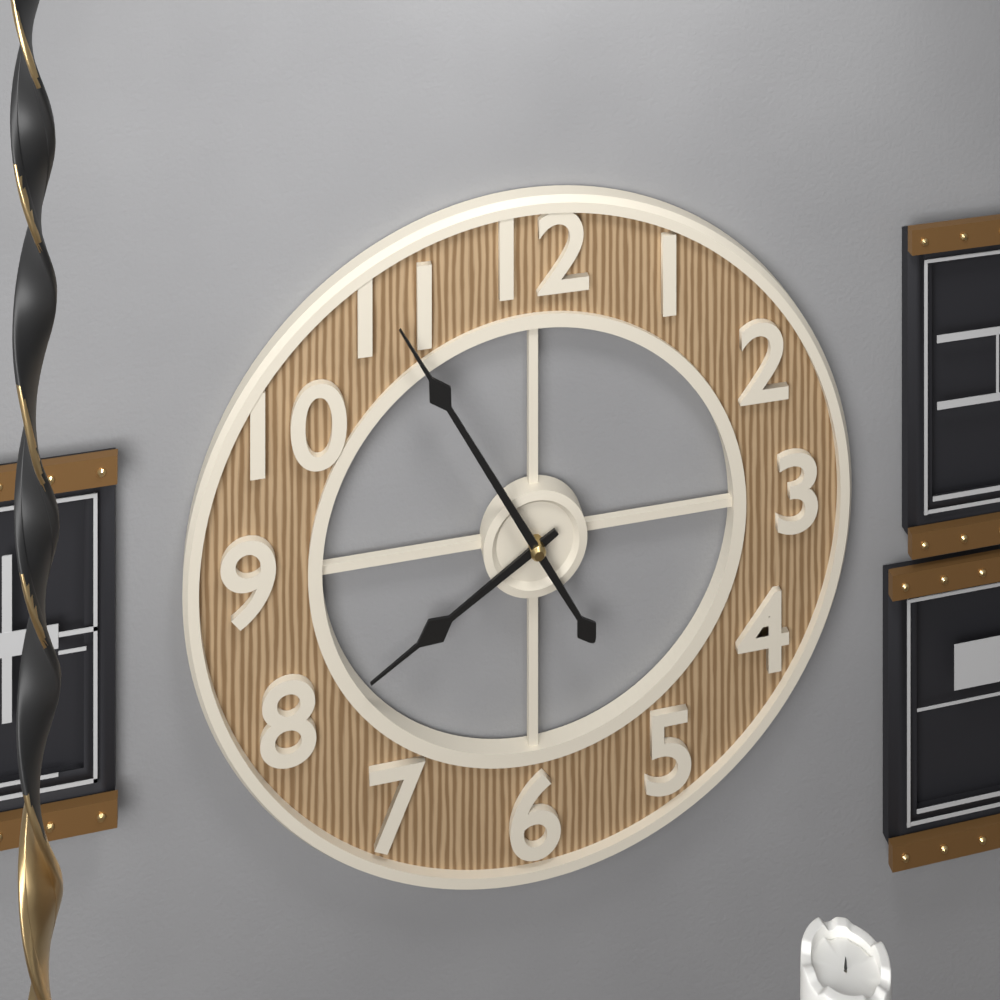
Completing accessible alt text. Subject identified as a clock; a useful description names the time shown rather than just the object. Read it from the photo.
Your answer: 7:55
